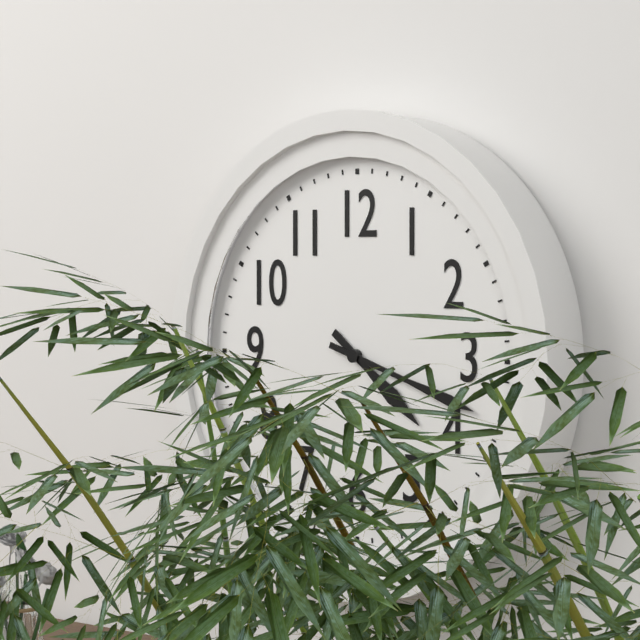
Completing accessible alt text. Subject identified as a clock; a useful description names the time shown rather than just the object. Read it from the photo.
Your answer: 4:18
